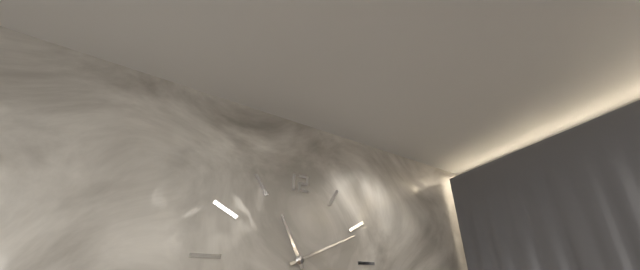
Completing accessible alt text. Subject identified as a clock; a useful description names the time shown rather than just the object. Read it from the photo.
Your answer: 11:11
